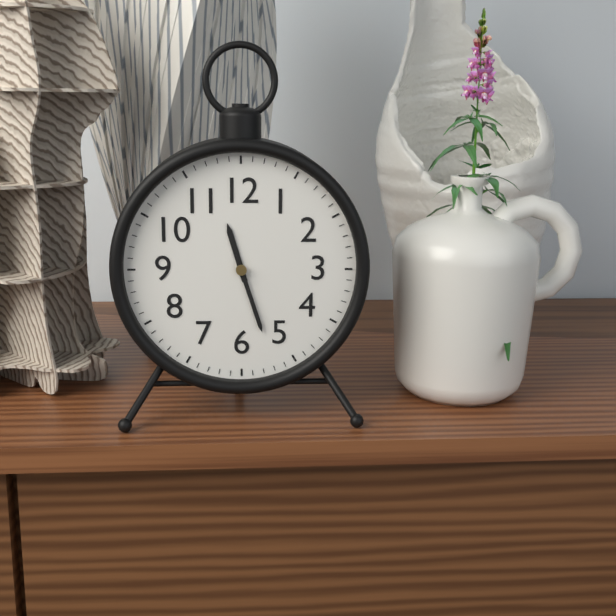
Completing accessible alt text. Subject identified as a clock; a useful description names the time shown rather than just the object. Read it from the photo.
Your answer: 11:27
